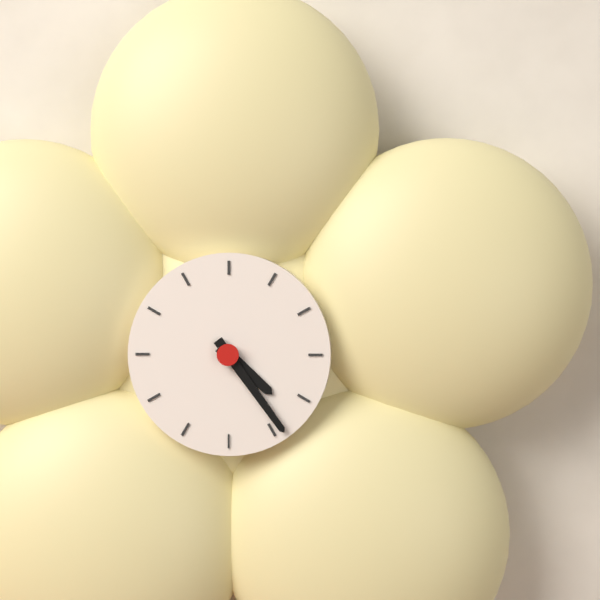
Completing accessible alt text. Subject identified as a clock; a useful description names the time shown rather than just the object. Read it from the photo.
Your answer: 4:24
